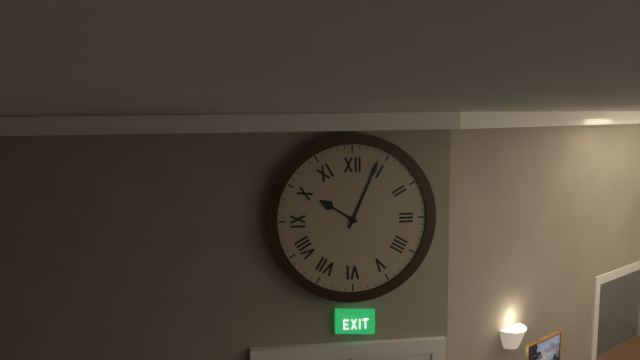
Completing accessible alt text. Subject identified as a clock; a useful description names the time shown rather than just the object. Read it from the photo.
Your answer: 10:04
